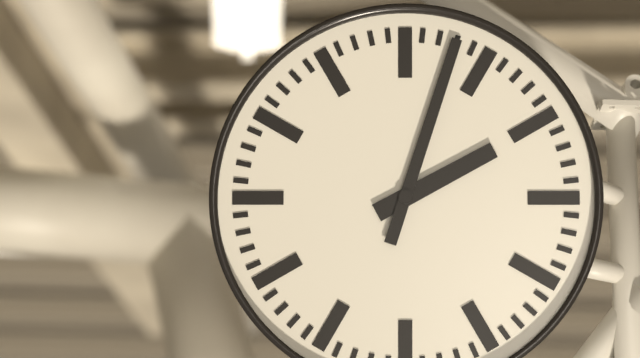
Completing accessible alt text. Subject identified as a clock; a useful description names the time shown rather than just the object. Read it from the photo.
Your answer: 2:03
